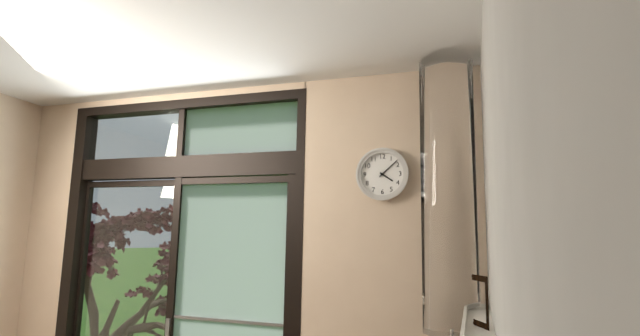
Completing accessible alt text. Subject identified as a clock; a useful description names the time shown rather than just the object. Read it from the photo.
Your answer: 4:08
